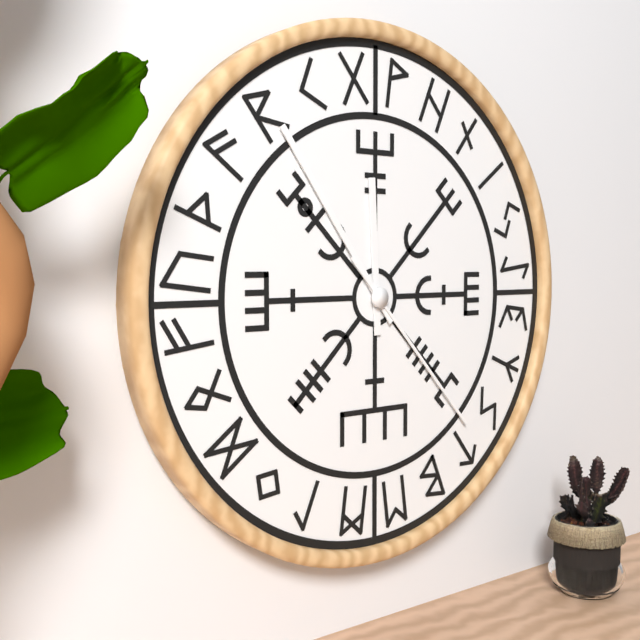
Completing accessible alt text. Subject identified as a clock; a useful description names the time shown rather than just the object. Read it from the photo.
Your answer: 11:54:23
